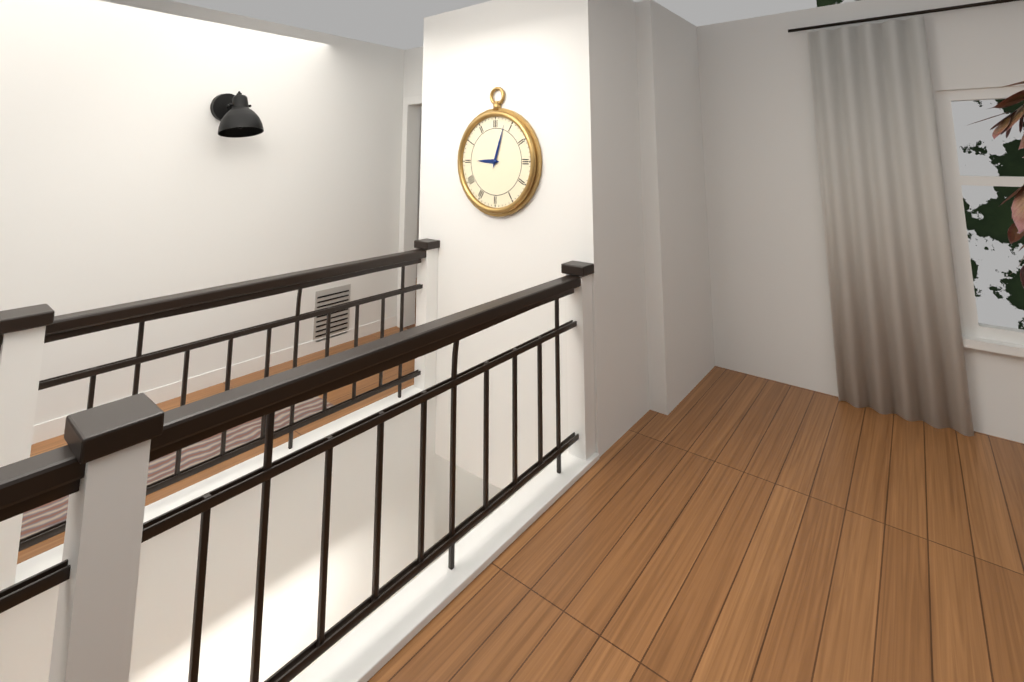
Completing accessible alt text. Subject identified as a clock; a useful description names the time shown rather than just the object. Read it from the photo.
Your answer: 9:03
